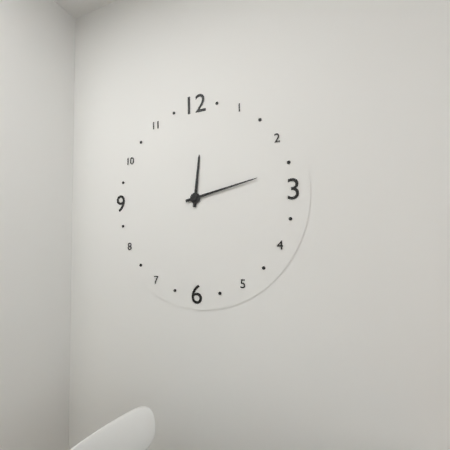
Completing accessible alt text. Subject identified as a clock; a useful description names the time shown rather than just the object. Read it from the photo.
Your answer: 12:13
